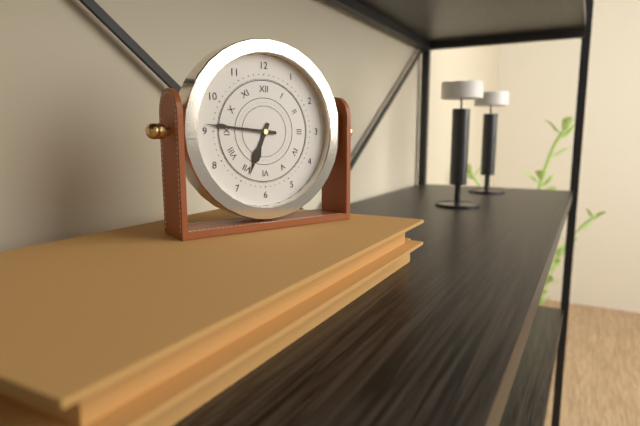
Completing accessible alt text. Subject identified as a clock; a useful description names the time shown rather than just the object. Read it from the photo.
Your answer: 6:46
